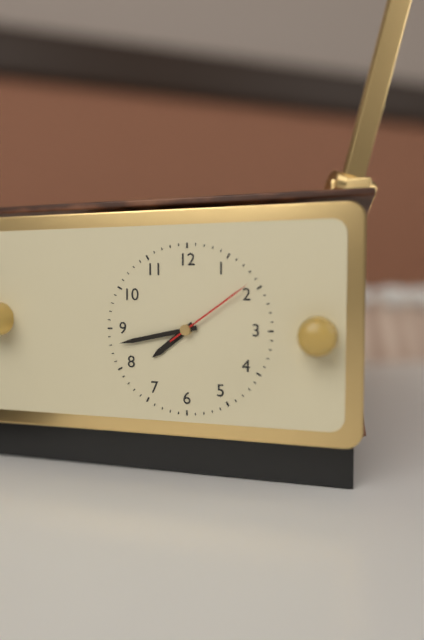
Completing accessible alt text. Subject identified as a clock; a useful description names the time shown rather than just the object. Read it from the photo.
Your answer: 7:43:09
